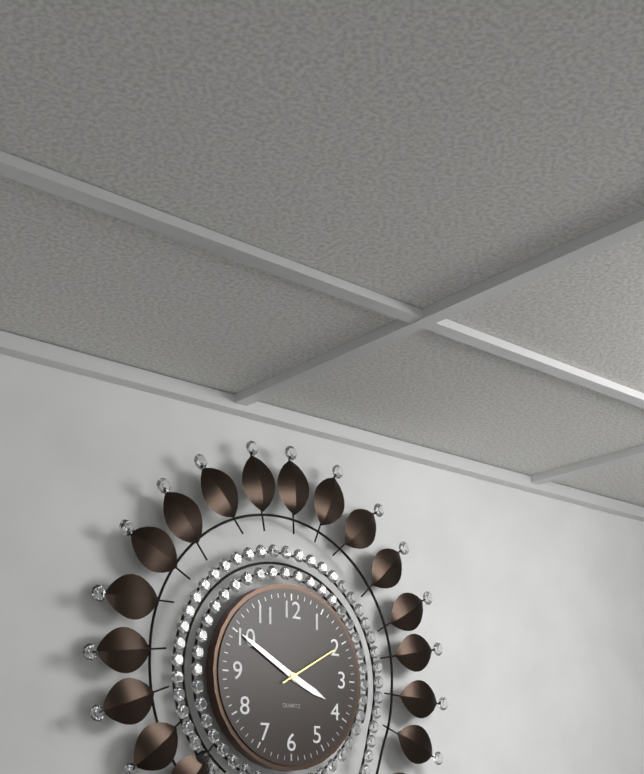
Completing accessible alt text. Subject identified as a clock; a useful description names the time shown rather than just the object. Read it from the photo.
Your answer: 3:50:10
